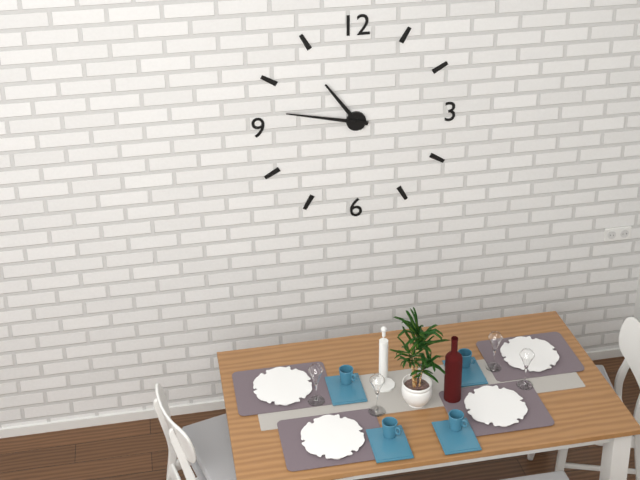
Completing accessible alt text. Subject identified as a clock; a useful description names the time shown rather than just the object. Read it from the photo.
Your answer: 10:47
